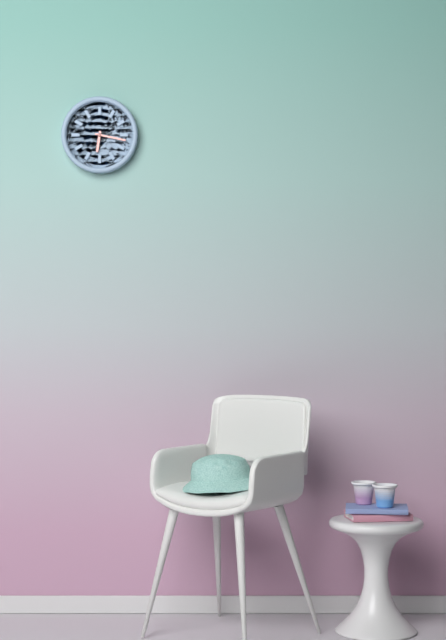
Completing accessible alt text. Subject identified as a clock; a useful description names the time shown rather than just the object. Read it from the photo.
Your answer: 6:17
